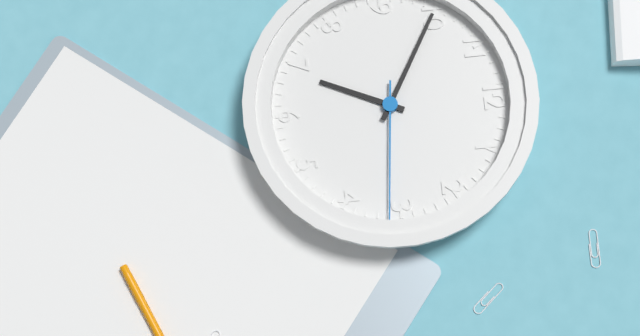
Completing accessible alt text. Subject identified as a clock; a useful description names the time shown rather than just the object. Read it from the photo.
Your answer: 6:50:16
